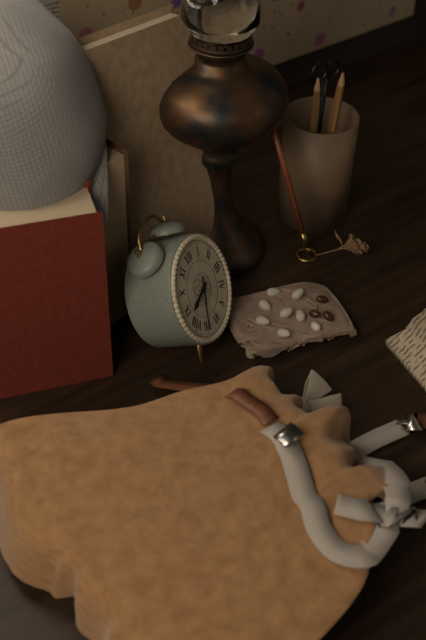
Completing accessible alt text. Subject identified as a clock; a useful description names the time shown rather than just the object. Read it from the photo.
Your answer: 8:35
